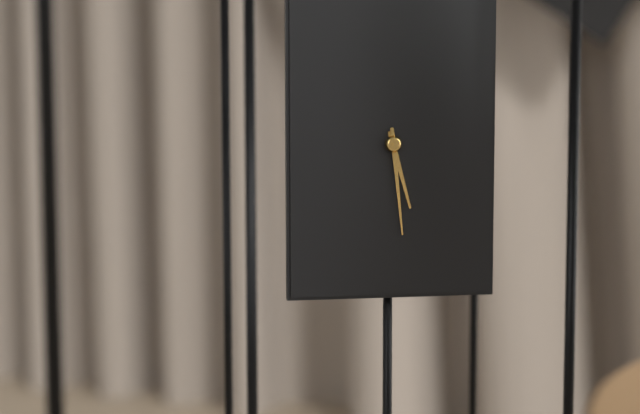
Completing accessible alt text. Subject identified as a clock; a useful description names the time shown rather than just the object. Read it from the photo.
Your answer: 5:29
